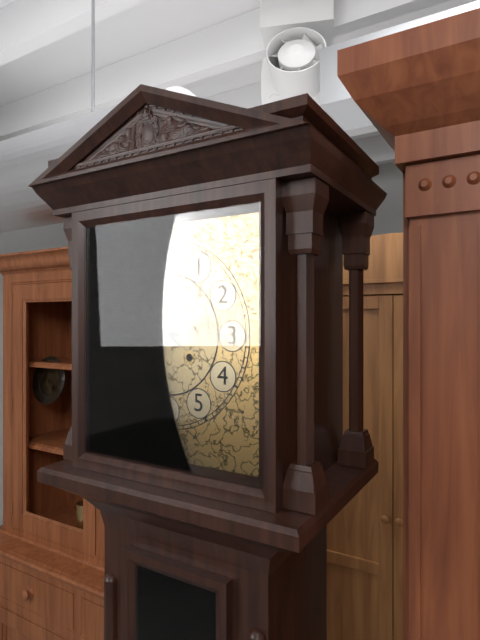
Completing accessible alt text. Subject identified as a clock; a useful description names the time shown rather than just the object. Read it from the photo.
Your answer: 8:51
